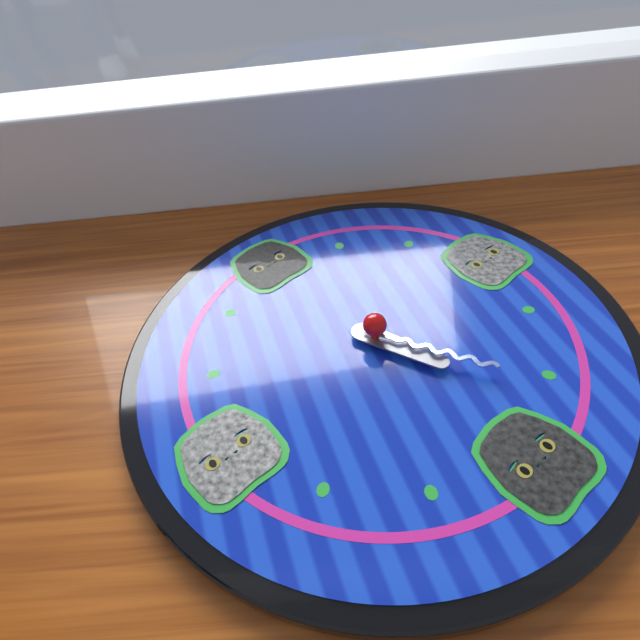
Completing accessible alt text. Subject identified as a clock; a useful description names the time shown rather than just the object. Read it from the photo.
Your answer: 5:26
